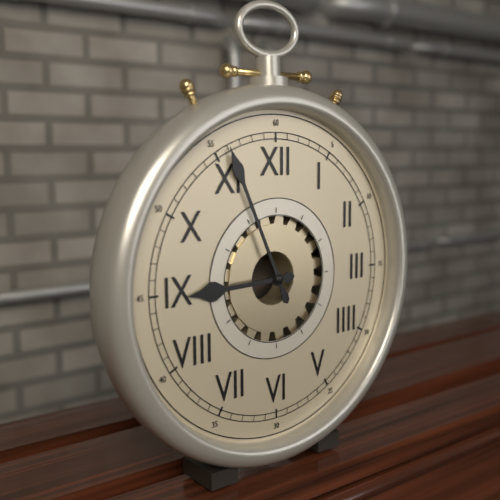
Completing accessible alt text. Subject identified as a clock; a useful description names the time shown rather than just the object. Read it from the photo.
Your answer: 8:56
